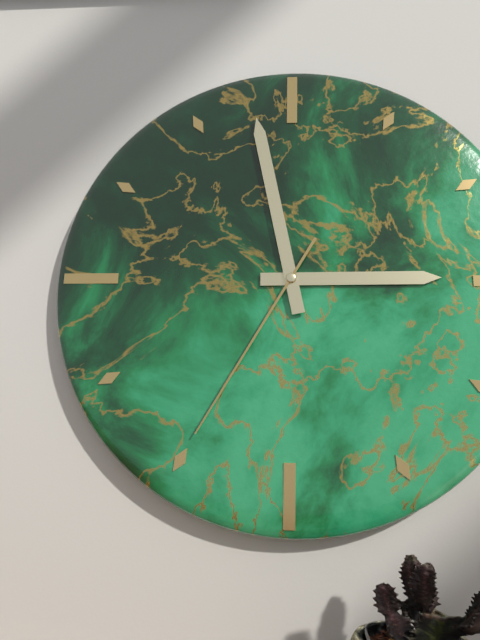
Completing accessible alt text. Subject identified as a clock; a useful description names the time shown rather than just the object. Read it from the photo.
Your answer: 2:58:35
